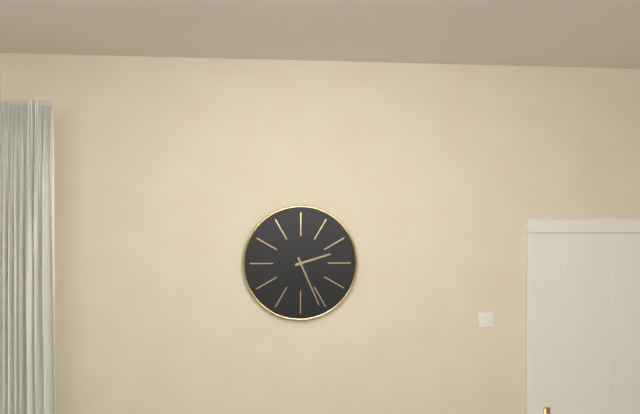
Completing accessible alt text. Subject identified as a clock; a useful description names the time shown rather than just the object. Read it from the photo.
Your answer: 2:26
